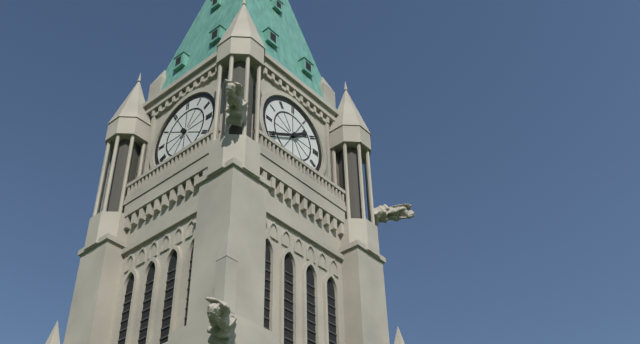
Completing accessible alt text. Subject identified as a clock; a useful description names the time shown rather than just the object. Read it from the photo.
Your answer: 1:40
